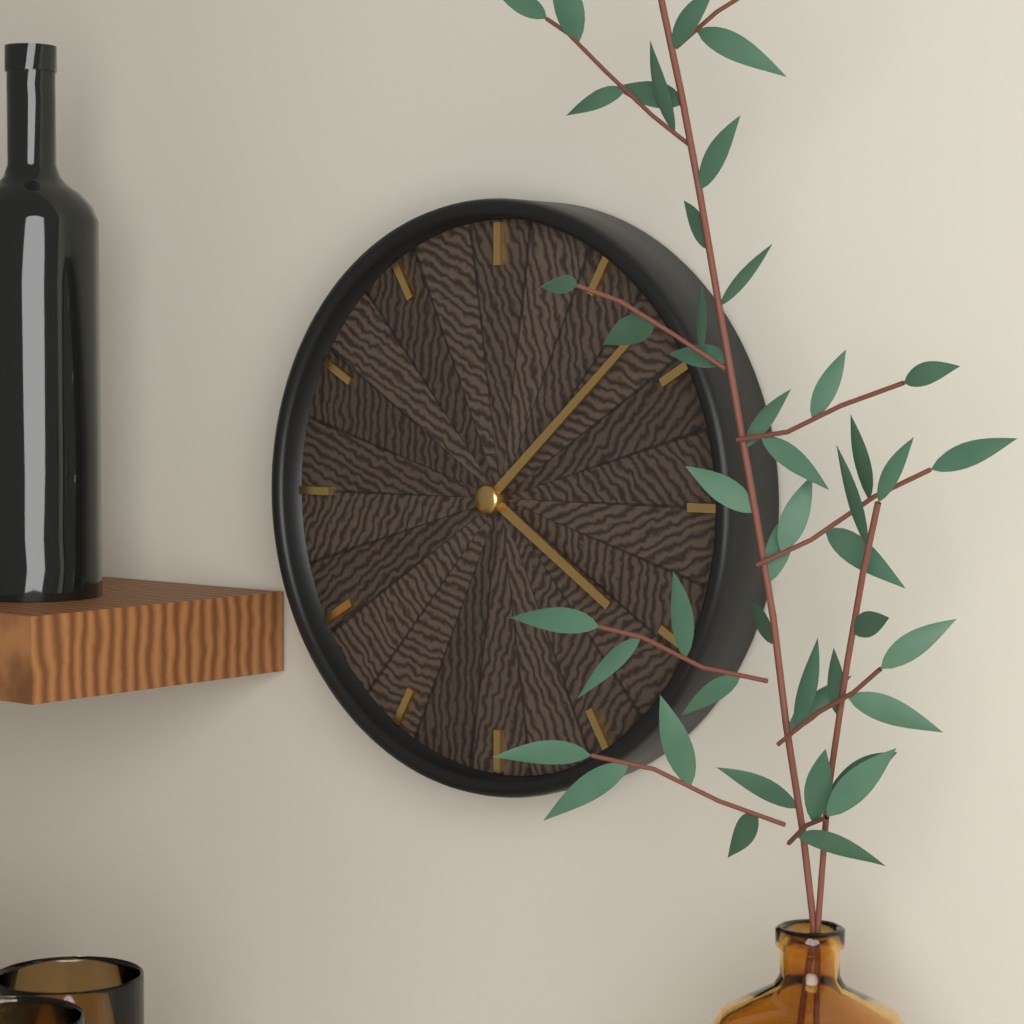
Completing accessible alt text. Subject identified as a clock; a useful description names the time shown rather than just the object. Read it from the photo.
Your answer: 4:08
